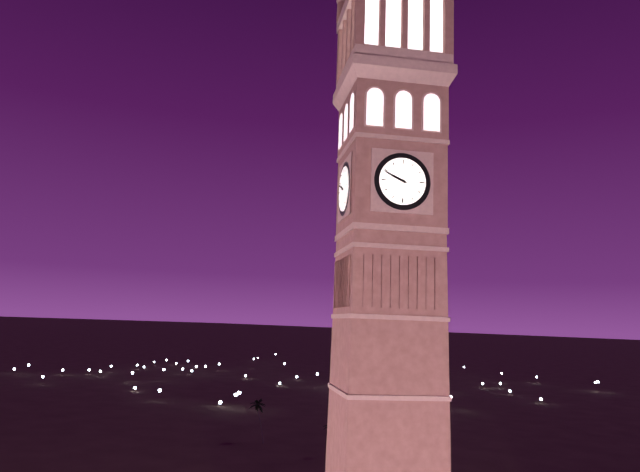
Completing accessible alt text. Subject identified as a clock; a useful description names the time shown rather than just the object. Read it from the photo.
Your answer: 9:49
